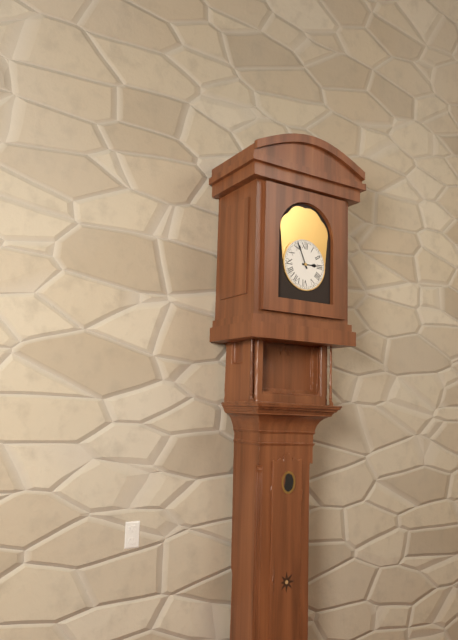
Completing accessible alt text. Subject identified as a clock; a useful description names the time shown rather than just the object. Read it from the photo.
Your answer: 2:56
